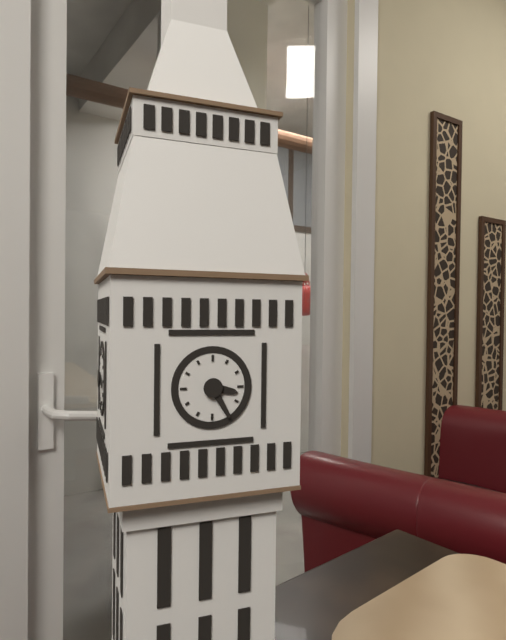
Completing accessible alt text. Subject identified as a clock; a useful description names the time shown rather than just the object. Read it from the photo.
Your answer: 3:25
